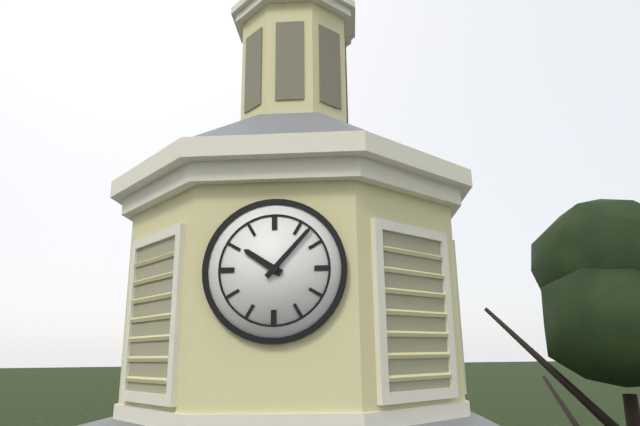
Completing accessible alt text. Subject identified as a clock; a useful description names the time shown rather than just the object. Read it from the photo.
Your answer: 10:07
